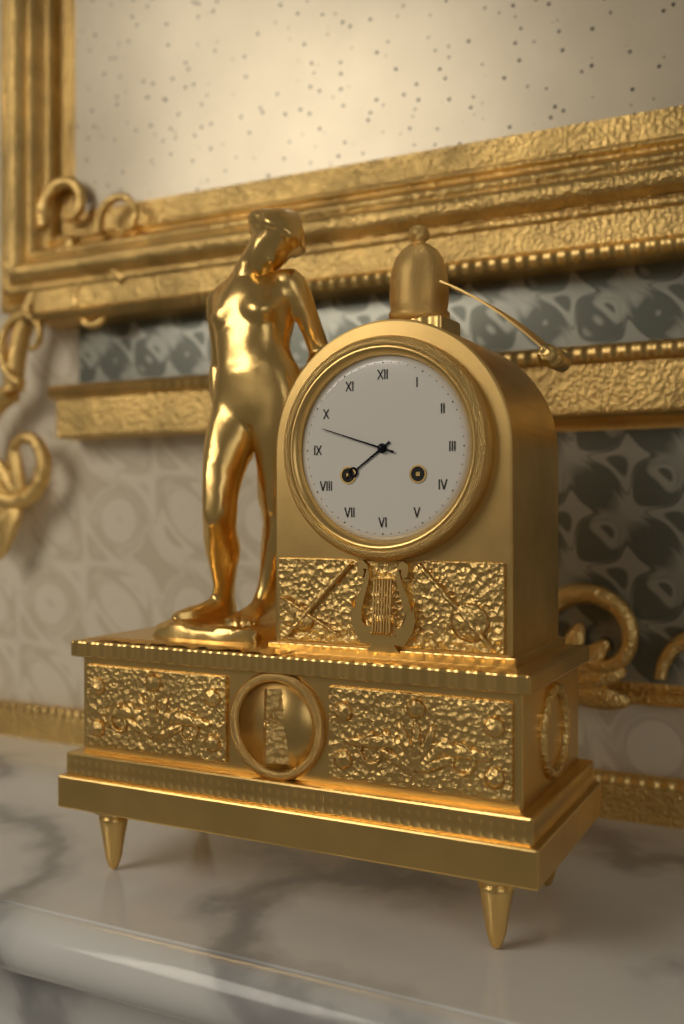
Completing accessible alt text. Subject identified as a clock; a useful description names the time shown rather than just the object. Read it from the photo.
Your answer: 7:48
